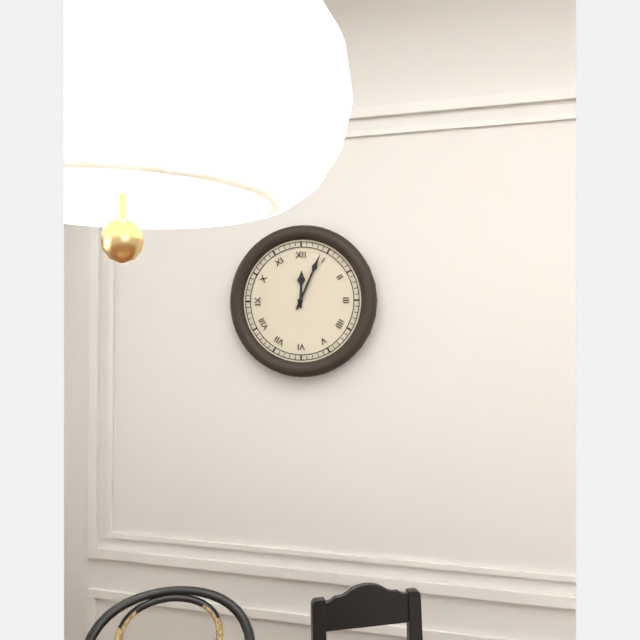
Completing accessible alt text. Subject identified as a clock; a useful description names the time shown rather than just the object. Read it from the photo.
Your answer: 12:04
